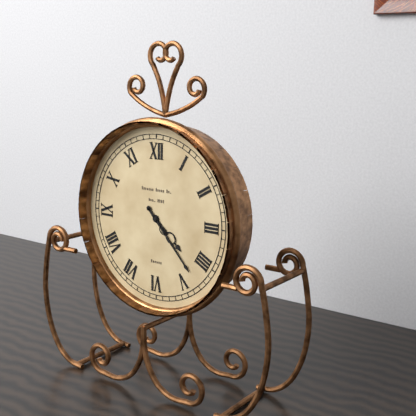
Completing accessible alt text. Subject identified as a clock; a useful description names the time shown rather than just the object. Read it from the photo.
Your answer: 4:23
